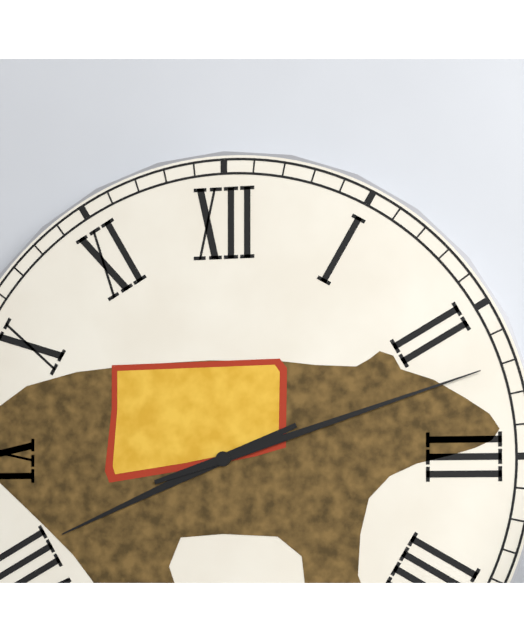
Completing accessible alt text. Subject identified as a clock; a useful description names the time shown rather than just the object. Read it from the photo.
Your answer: 8:12
